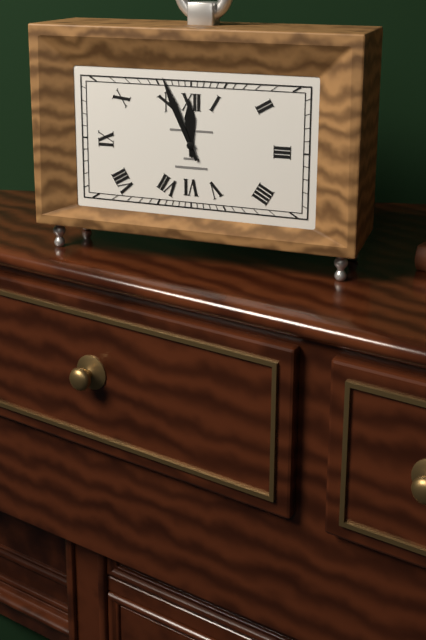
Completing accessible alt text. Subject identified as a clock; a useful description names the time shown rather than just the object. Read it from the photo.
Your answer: 11:56
